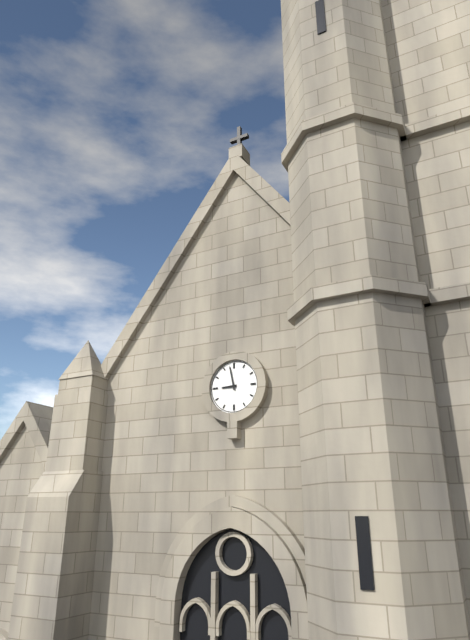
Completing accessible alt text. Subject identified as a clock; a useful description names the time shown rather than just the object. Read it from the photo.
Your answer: 8:58
